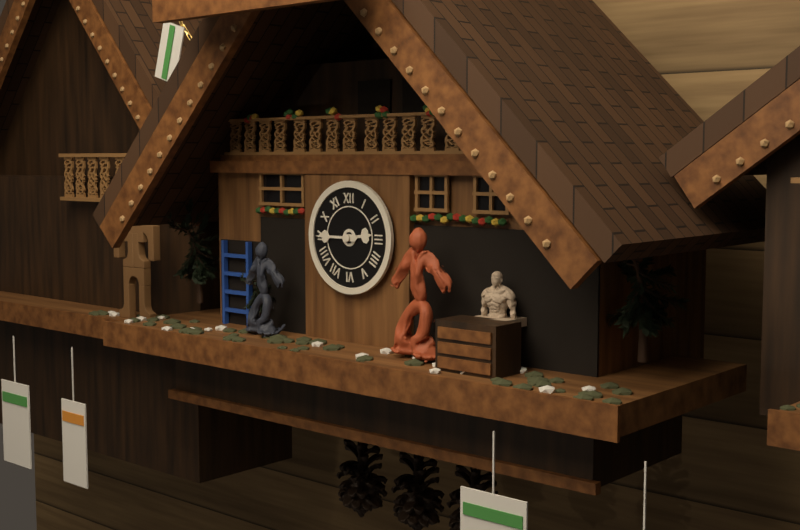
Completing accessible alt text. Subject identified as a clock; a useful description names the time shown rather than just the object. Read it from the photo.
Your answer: 2:45
